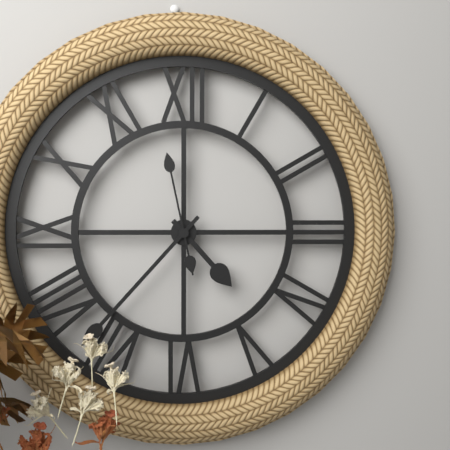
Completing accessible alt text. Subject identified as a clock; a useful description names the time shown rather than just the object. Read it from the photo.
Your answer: 4:37:58
